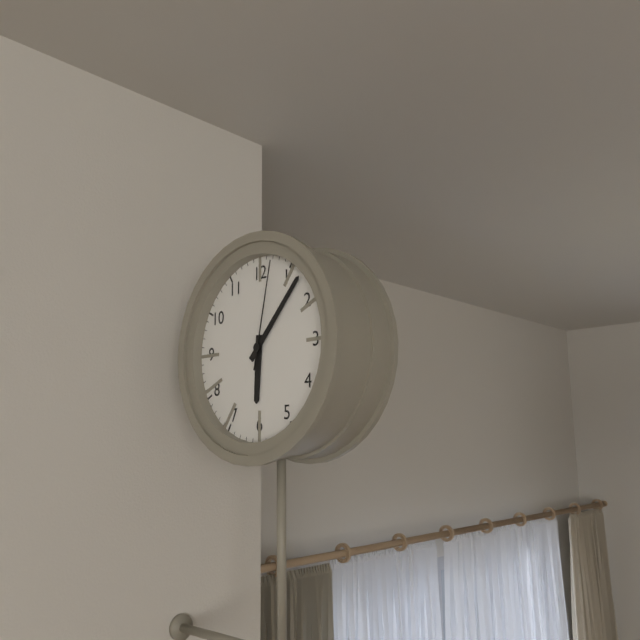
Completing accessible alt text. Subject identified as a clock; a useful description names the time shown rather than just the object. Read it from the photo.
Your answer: 6:07:02
